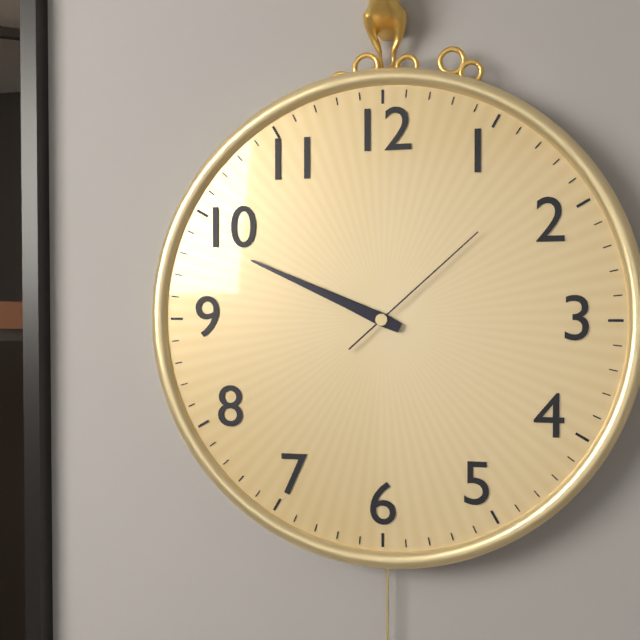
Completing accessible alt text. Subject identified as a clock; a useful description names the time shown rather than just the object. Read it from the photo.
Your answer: 9:49:08
